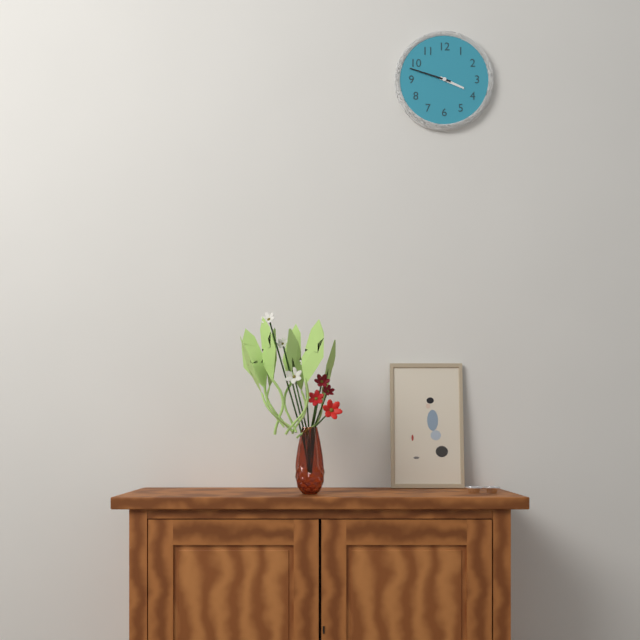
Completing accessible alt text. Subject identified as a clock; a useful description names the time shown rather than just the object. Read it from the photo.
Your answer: 3:48
